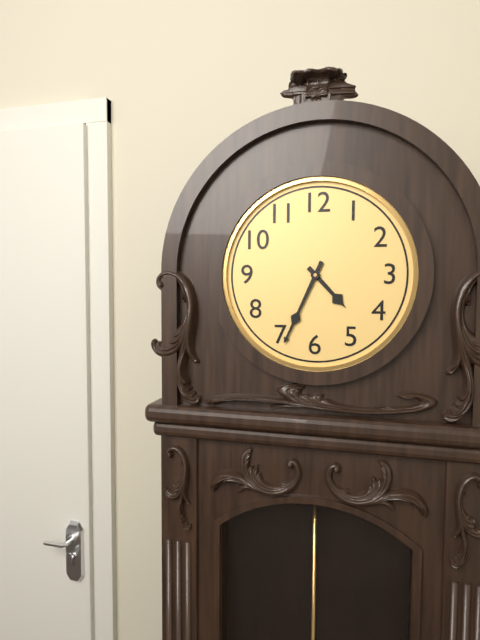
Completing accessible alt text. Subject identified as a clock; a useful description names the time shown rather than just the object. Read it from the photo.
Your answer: 4:34
